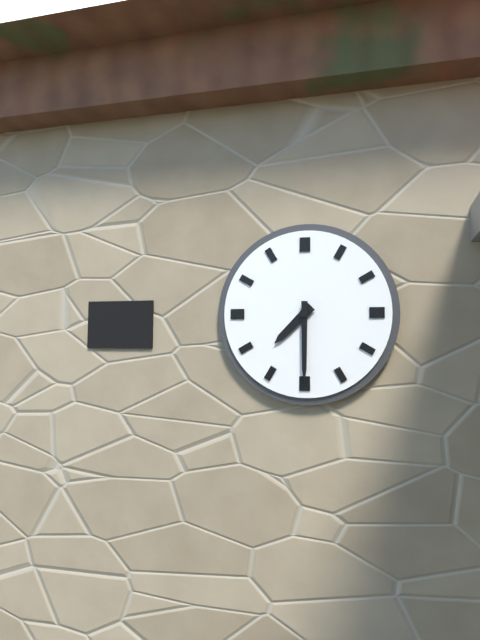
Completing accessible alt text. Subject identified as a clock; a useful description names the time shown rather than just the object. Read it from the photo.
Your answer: 7:30
